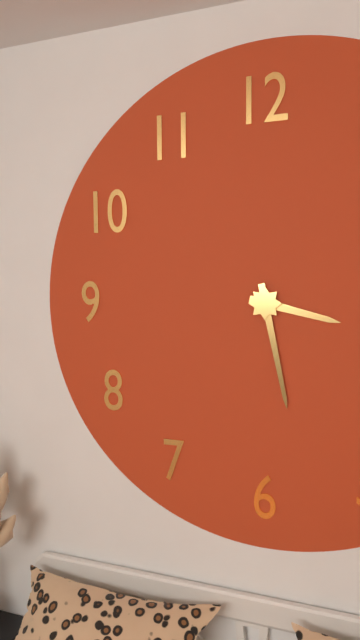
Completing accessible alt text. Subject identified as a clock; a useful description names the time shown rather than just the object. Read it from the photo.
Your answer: 3:28
